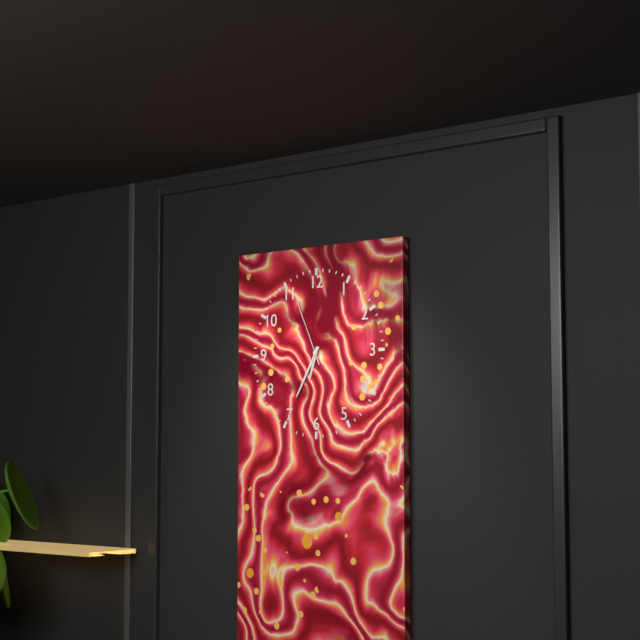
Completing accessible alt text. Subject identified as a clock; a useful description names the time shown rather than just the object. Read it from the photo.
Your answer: 6:35:56
